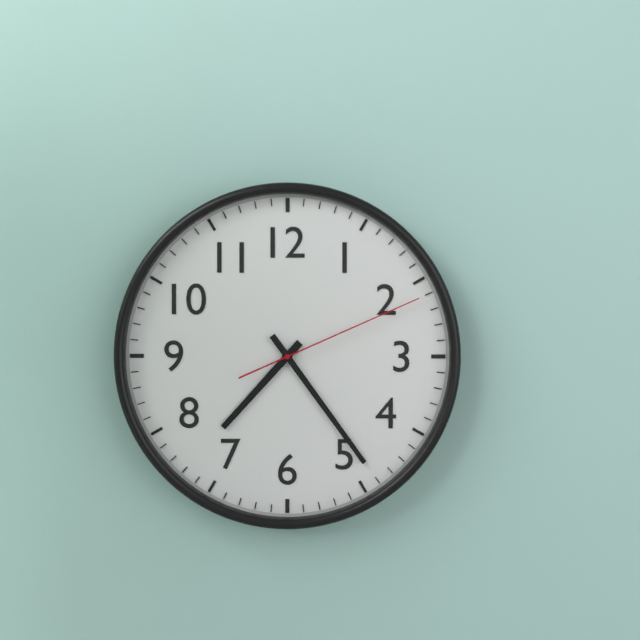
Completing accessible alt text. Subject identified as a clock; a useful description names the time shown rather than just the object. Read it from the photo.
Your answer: 7:24:11
